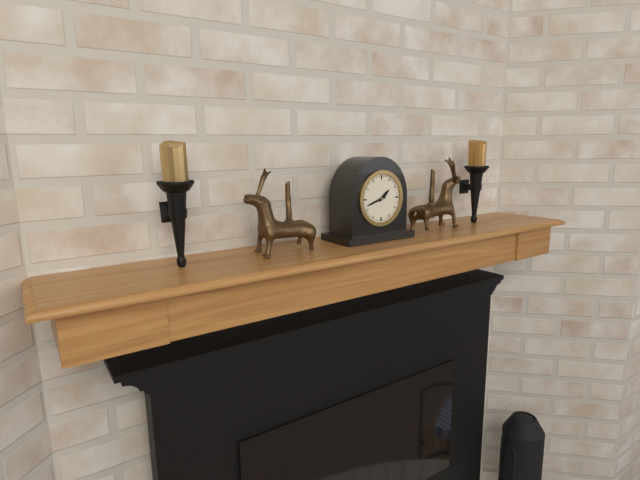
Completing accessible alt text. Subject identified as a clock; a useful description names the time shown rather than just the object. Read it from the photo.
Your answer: 1:42
